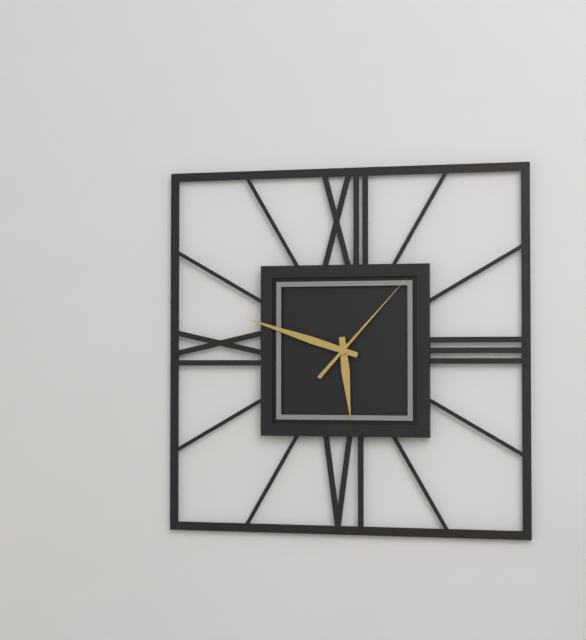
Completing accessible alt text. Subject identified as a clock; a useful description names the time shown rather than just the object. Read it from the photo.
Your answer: 5:48:07
